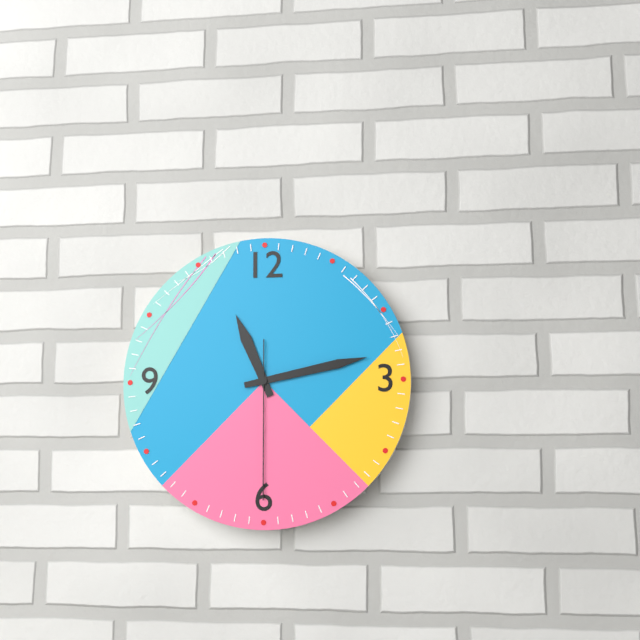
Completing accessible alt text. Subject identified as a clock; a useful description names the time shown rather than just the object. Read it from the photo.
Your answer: 11:13:30
